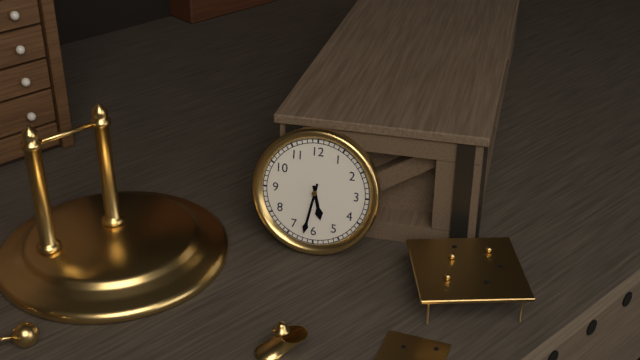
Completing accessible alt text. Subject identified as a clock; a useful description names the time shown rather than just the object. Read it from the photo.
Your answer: 5:32
